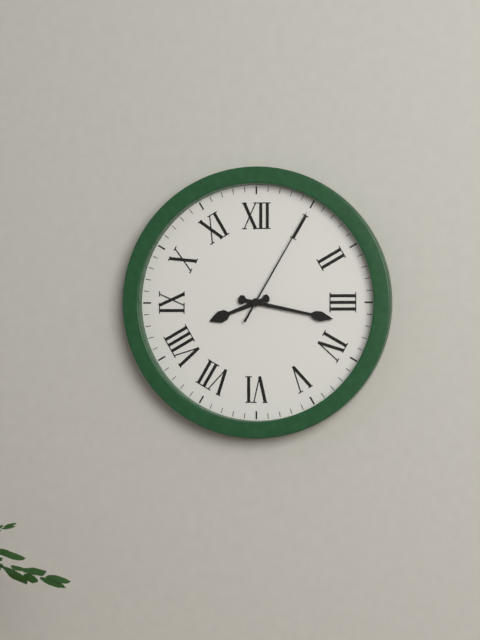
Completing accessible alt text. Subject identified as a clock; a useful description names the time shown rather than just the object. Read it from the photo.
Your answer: 8:17:05
